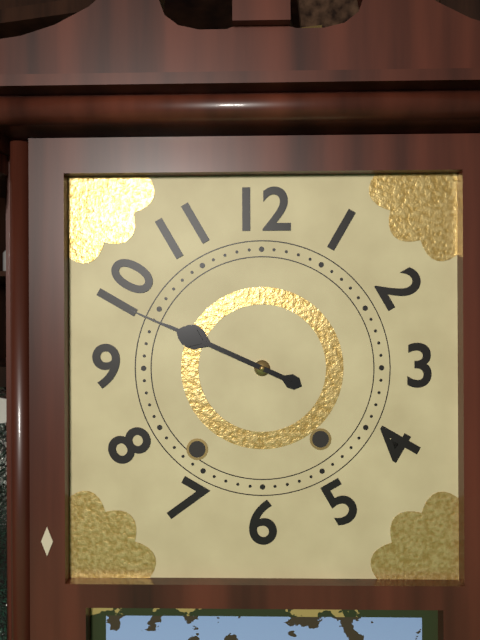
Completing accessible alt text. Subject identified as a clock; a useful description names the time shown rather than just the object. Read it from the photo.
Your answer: 9:49
